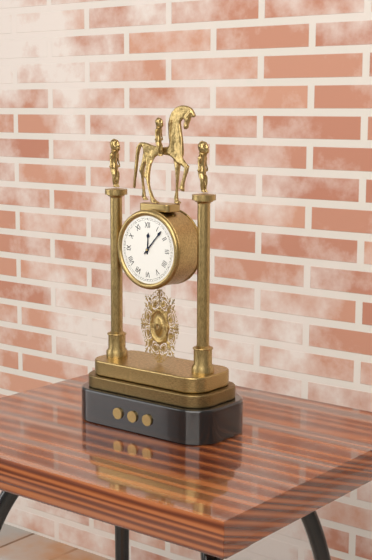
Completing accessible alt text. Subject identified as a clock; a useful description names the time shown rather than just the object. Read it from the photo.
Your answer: 12:07
